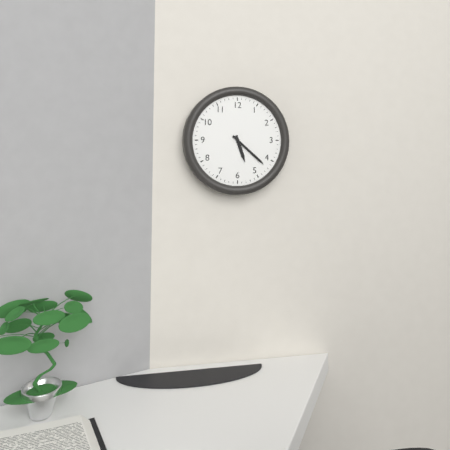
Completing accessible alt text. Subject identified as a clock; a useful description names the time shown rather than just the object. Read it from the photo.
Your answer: 5:22
